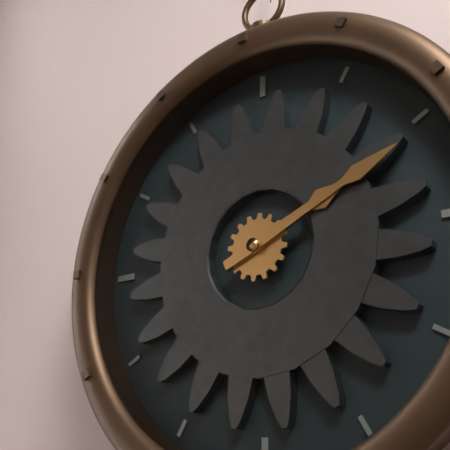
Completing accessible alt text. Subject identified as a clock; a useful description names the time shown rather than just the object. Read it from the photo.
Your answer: 2:11
